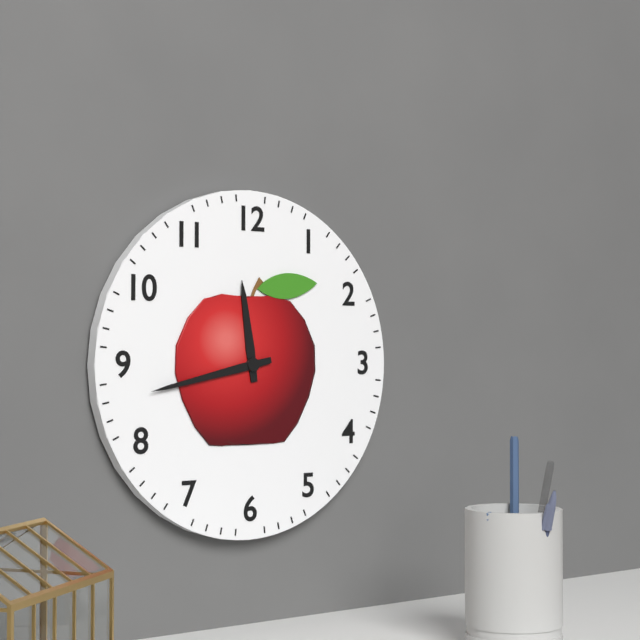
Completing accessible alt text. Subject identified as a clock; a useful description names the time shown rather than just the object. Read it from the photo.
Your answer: 11:43
